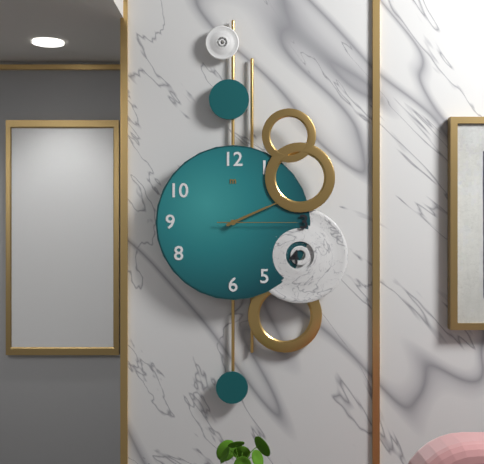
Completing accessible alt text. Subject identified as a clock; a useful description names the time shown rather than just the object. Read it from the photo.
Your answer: 2:11:15
